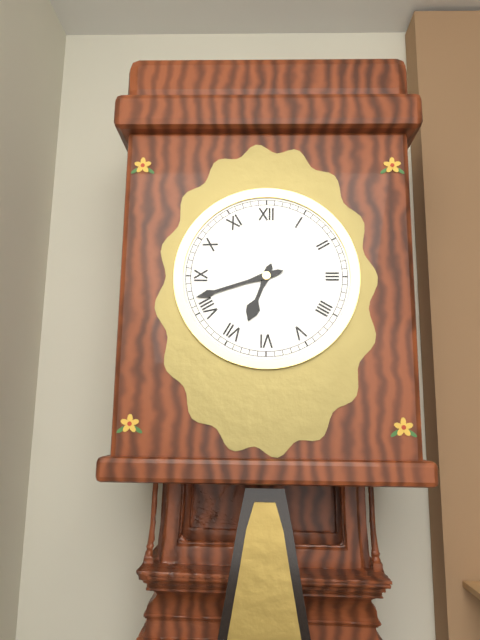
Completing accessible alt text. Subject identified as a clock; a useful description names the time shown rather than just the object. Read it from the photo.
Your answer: 6:42
